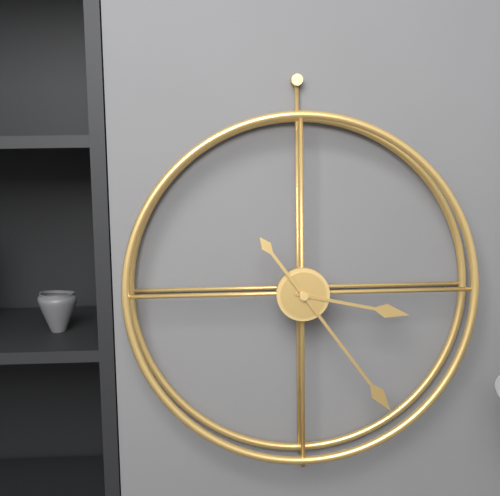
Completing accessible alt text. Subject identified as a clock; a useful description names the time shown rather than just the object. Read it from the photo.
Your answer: 3:24
